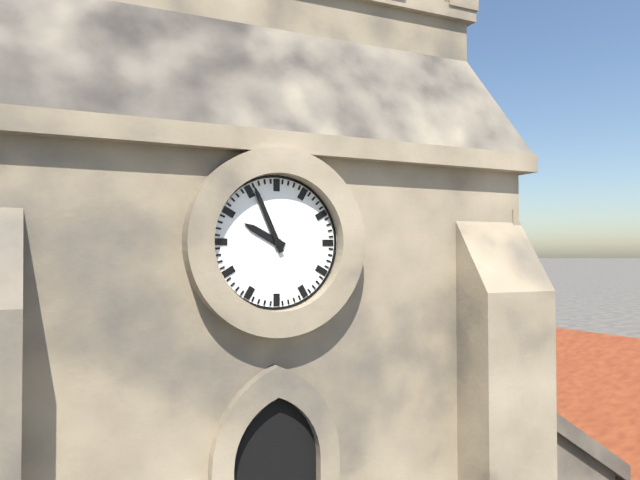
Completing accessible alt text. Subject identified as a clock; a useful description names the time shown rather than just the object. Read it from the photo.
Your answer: 9:56
